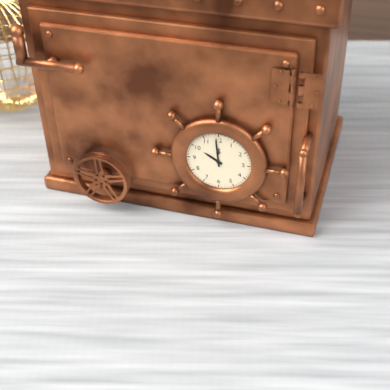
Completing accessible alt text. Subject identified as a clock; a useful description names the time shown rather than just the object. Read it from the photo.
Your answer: 9:59
